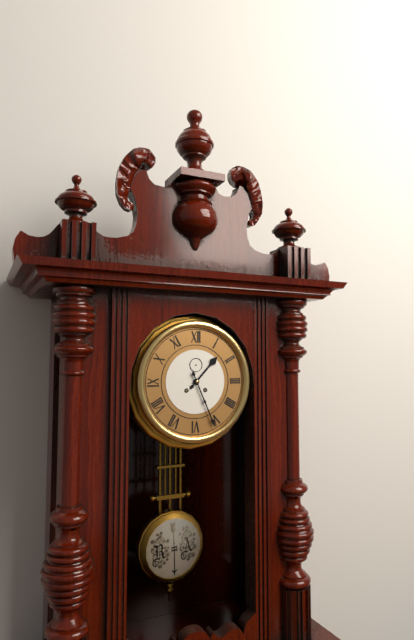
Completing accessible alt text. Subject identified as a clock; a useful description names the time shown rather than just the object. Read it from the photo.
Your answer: 1:26
